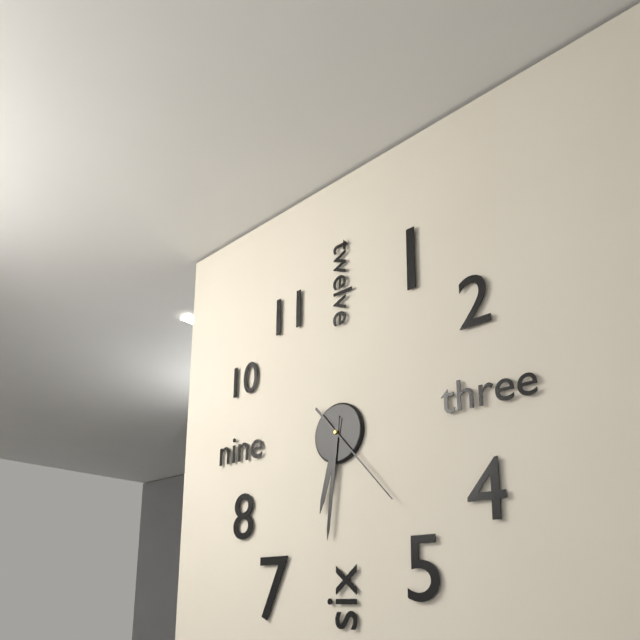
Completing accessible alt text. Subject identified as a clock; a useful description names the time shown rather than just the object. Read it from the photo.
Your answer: 6:31:23
